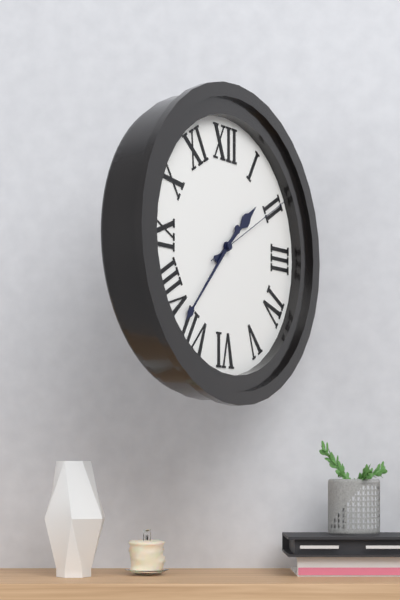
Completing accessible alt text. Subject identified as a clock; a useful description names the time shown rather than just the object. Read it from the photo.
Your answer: 1:37:10
